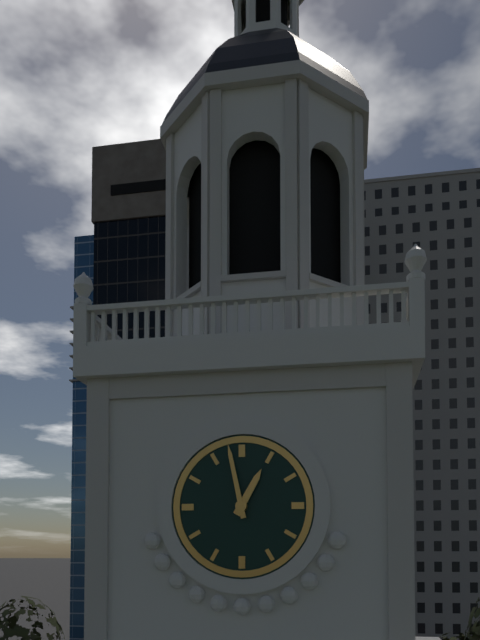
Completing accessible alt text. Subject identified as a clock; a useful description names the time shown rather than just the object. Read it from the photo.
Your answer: 12:58
